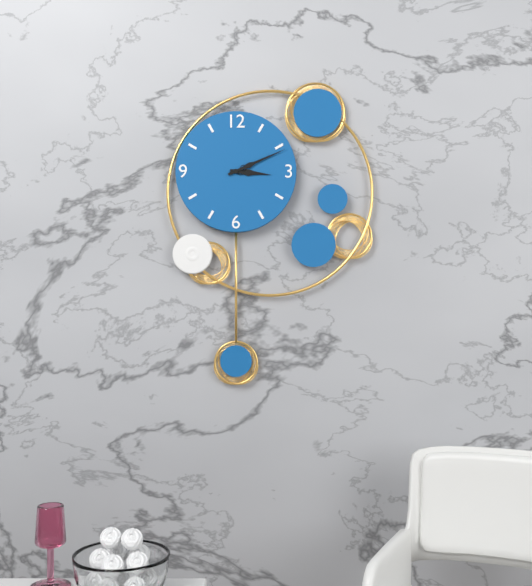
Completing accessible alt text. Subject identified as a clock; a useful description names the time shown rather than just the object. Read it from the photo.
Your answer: 3:11
